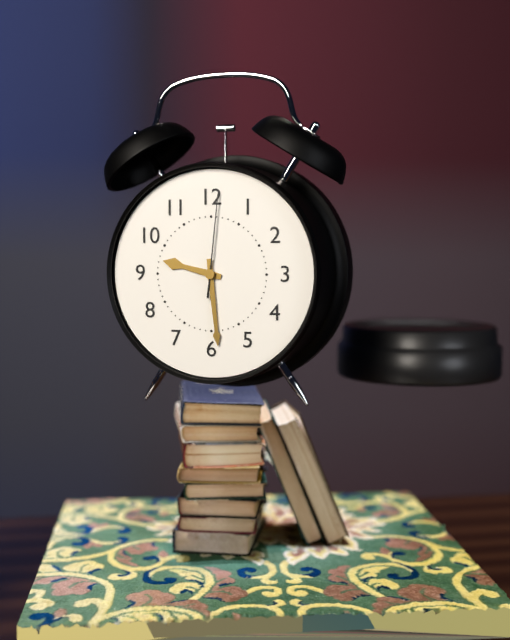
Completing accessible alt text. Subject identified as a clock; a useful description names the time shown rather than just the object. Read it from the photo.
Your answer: 9:29:01
